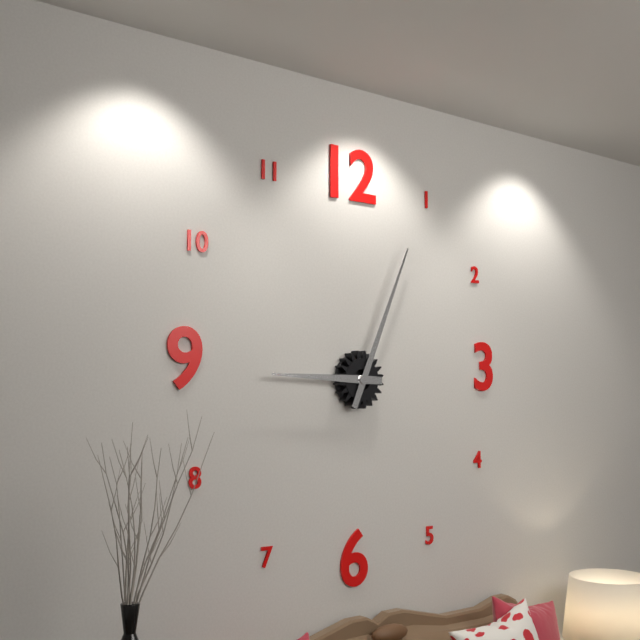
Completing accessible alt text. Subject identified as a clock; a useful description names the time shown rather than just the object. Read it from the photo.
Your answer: 9:04
